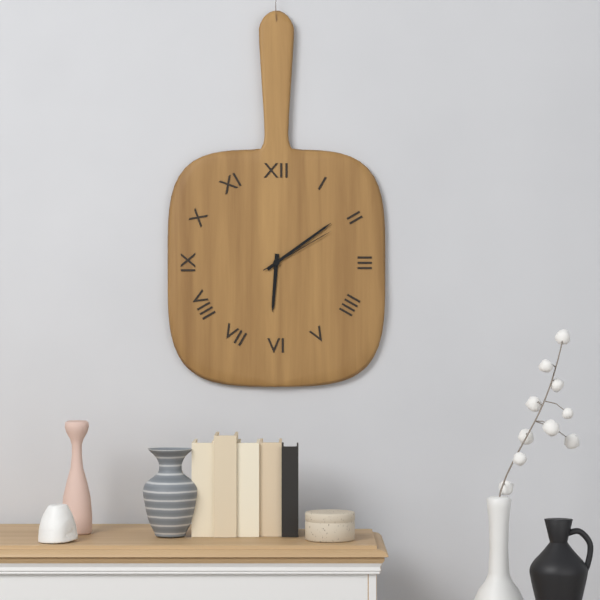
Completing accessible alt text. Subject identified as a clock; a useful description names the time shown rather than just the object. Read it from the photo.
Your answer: 6:09:10
